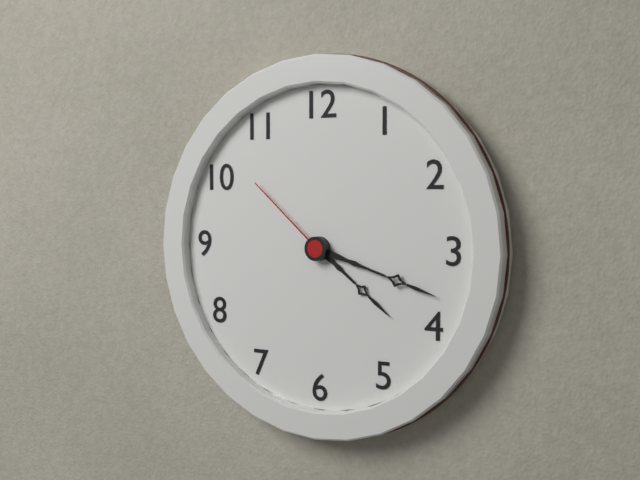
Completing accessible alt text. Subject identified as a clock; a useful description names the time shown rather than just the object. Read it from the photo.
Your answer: 4:18:52
